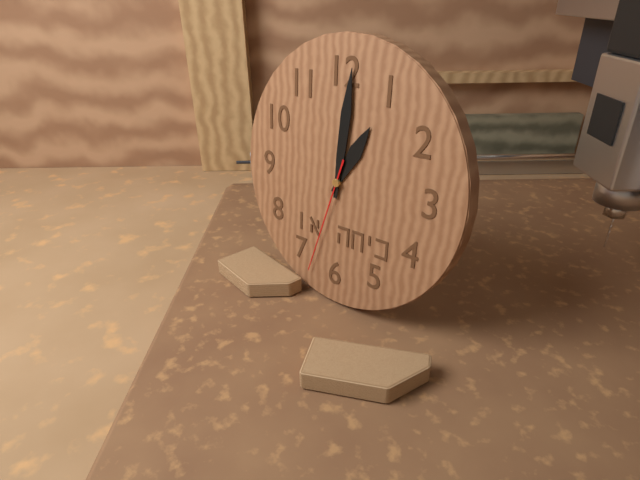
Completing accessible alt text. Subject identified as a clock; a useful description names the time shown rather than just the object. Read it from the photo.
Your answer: 1:01:33
